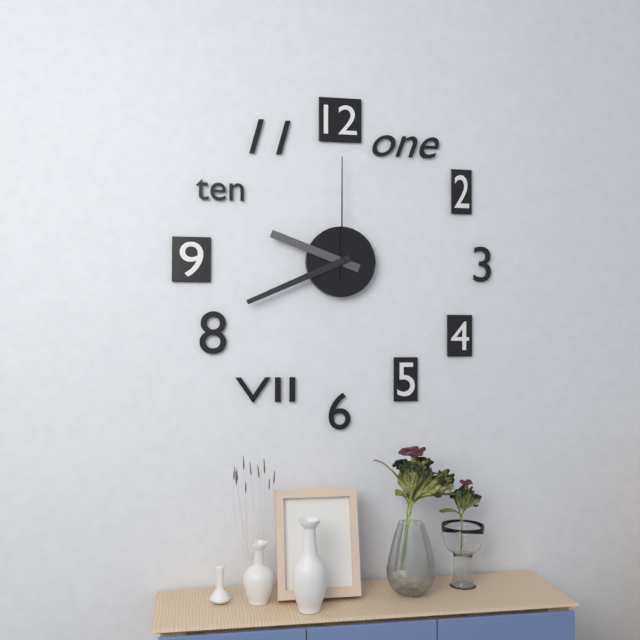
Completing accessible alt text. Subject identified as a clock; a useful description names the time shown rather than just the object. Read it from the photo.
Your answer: 9:41:00
